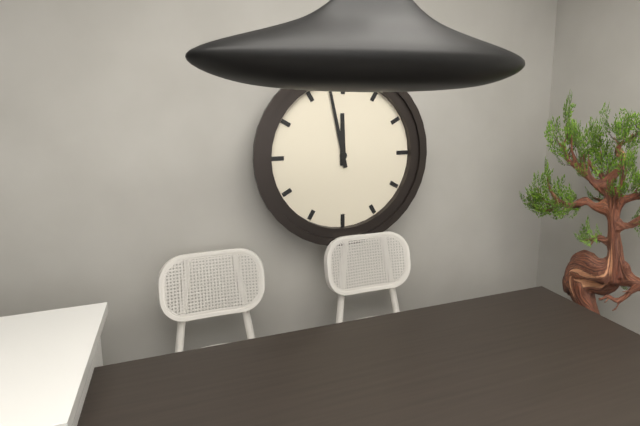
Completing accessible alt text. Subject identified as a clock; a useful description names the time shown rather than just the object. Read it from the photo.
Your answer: 11:58
